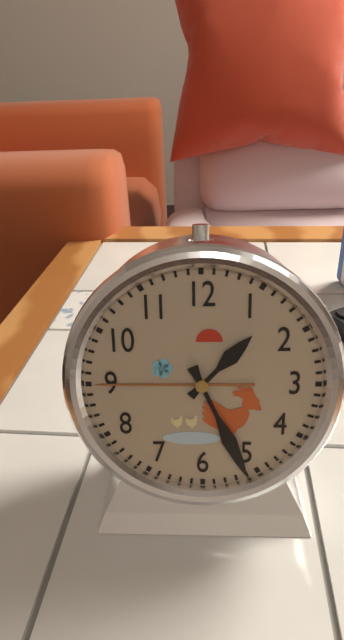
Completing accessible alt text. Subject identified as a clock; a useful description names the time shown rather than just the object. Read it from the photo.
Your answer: 1:26
